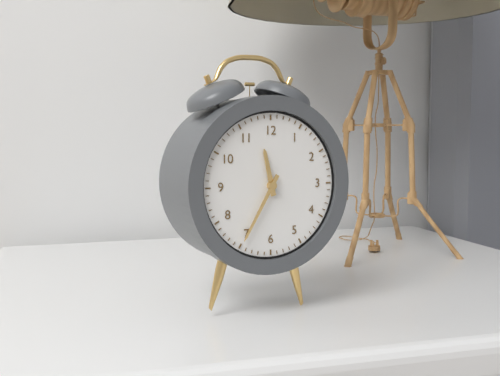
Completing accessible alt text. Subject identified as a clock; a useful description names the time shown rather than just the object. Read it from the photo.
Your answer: 11:35
